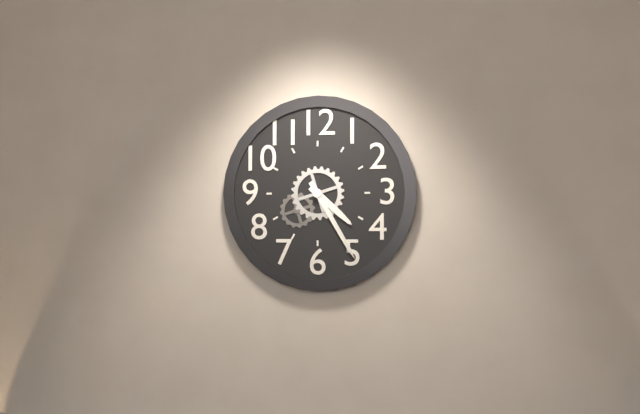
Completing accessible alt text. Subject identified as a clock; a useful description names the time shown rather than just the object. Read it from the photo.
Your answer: 4:25
